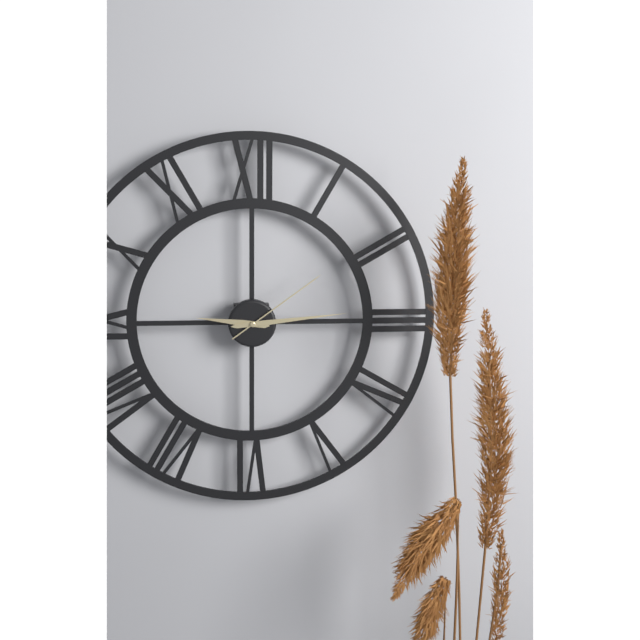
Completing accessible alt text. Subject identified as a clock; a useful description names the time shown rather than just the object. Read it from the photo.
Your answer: 9:14:09
